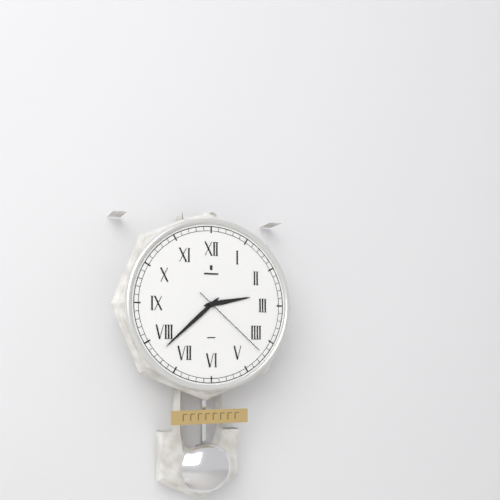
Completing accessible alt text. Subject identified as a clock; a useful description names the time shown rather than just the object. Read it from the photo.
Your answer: 2:38:22
